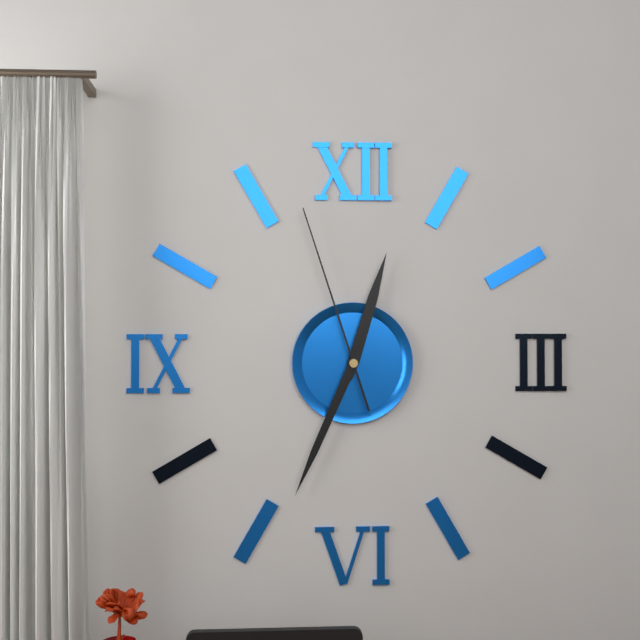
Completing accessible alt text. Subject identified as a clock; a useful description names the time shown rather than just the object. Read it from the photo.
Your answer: 12:34:57
